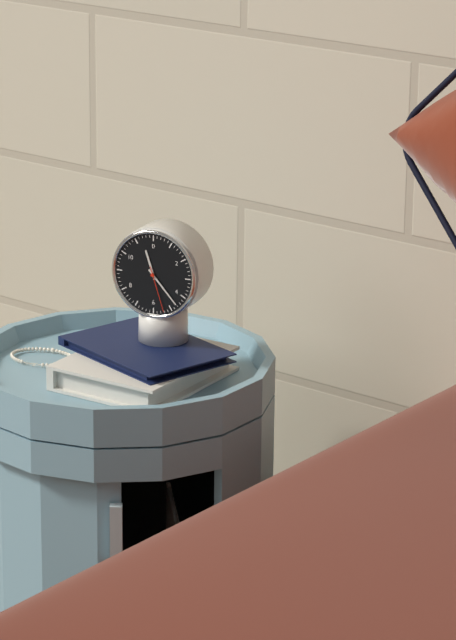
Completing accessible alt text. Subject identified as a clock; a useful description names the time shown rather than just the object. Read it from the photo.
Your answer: 11:23
